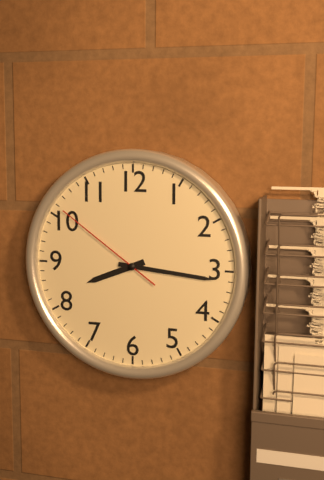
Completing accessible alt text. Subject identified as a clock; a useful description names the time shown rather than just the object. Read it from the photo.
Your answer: 8:16:51
